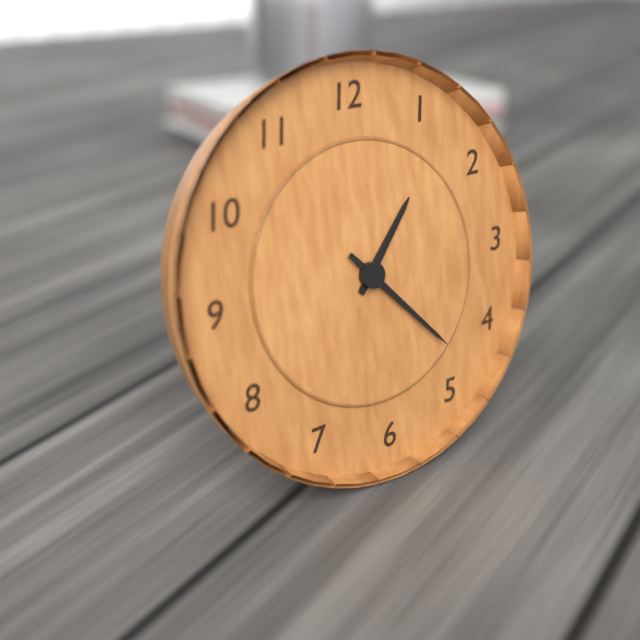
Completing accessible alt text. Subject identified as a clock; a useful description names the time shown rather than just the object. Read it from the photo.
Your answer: 1:23
